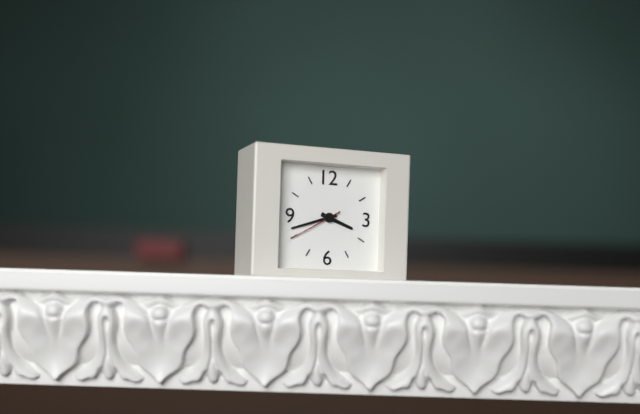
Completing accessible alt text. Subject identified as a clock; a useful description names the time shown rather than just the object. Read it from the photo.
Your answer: 3:42:40
